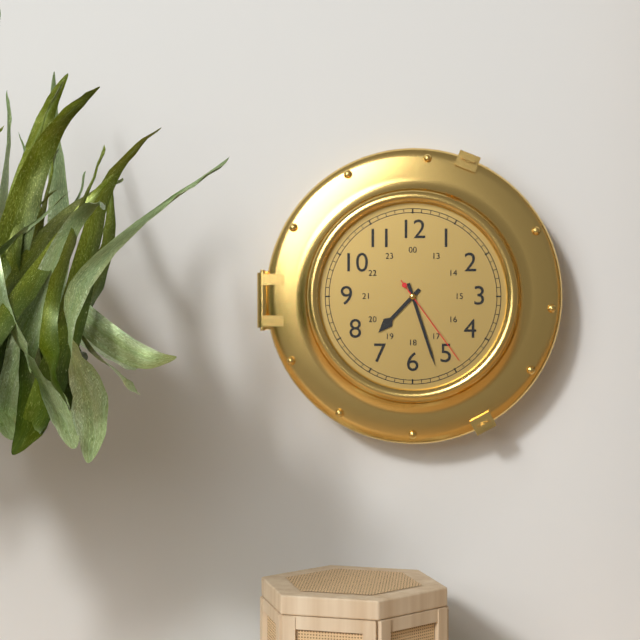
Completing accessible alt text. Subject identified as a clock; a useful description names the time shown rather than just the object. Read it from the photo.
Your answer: 7:27:24
